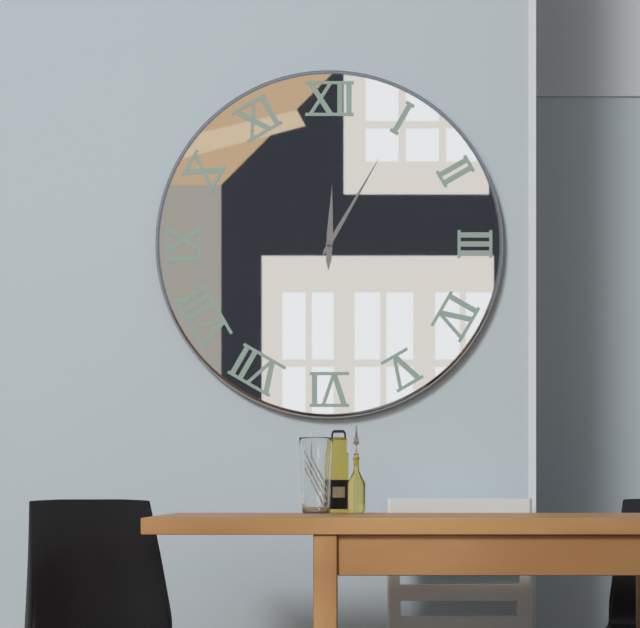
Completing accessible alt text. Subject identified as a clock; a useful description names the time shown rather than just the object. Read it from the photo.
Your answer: 12:05
